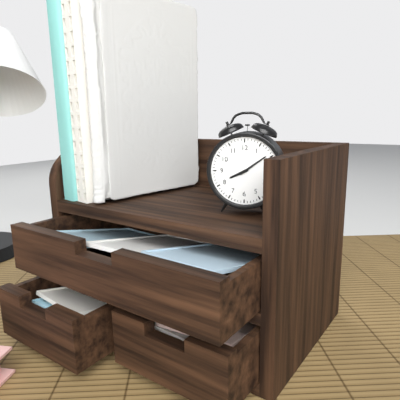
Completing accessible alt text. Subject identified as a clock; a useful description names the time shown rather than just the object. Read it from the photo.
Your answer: 8:09
